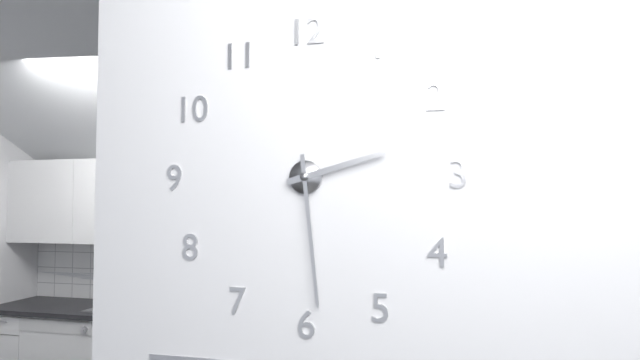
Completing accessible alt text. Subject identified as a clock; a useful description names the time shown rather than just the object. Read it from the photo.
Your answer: 2:29
